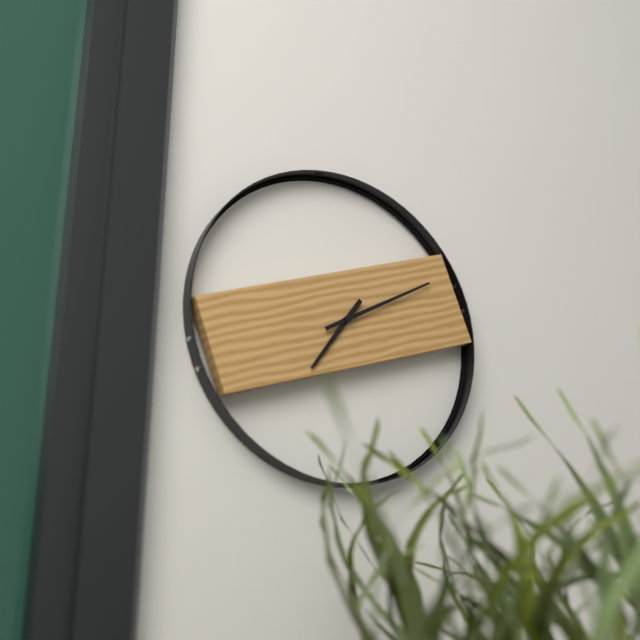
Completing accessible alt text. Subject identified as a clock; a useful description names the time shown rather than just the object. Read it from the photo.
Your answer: 7:10
